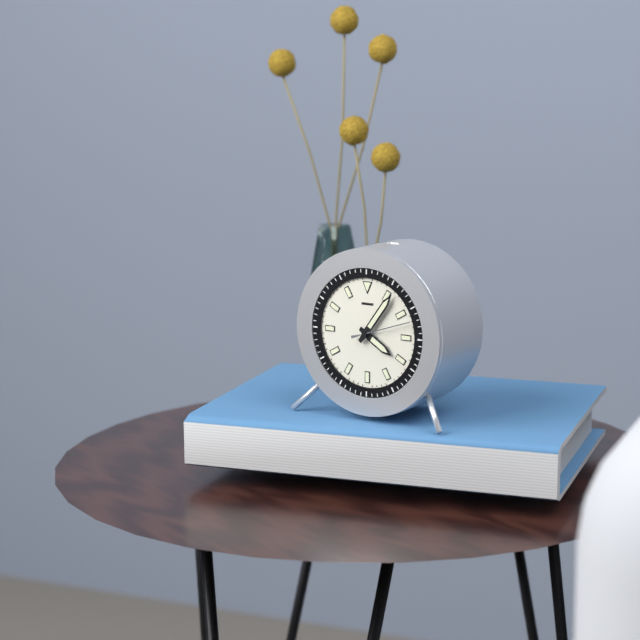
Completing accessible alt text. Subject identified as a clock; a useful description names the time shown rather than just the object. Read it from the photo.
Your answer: 4:06:12
